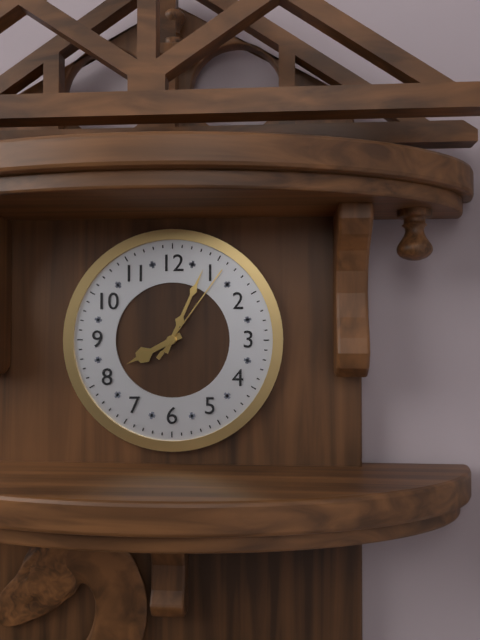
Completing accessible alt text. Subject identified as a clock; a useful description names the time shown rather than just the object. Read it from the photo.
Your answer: 8:04:06
